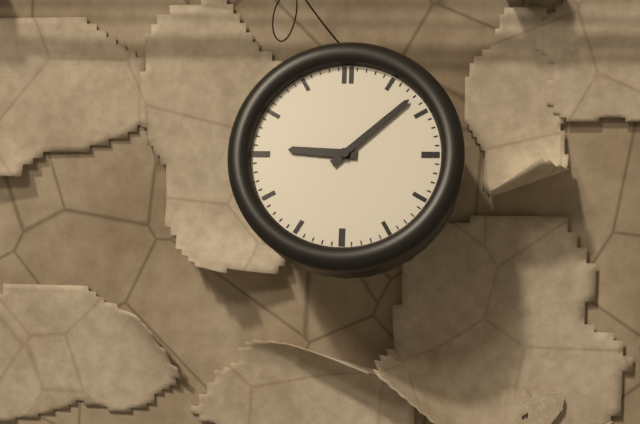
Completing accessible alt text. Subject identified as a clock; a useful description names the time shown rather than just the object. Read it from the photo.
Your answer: 9:08
